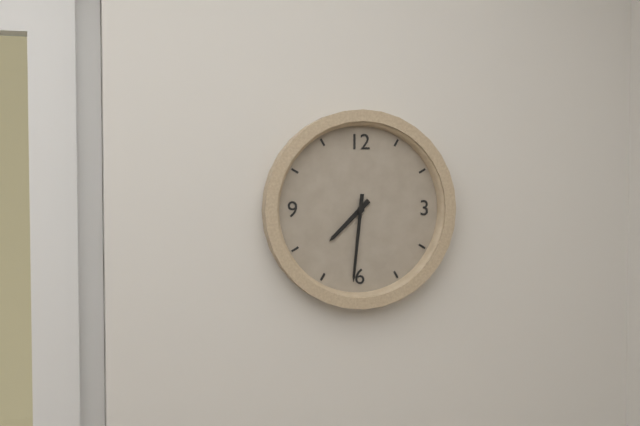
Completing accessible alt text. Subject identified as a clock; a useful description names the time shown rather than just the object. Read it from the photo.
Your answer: 7:31
